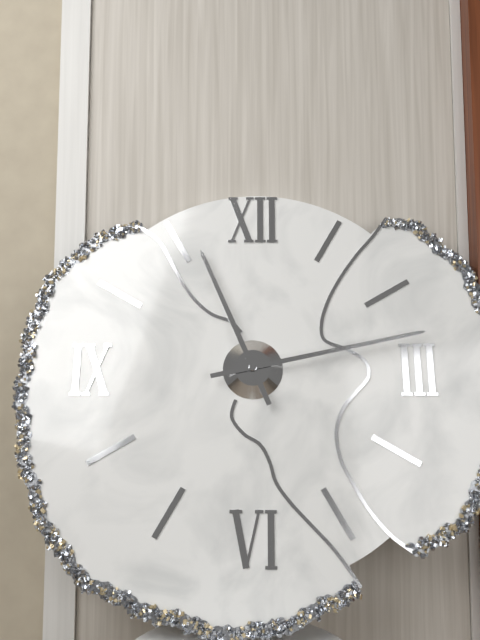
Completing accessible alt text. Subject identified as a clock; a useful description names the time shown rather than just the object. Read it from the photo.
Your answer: 11:13
